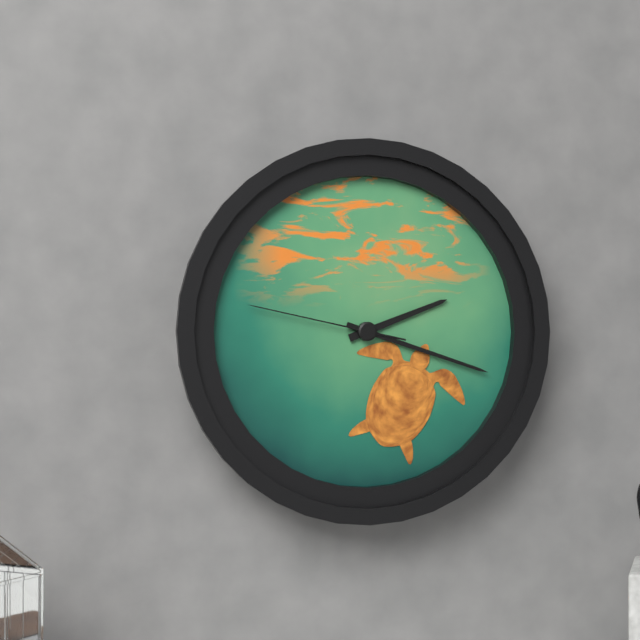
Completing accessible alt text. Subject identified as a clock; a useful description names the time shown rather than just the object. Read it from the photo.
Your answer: 2:18:47
